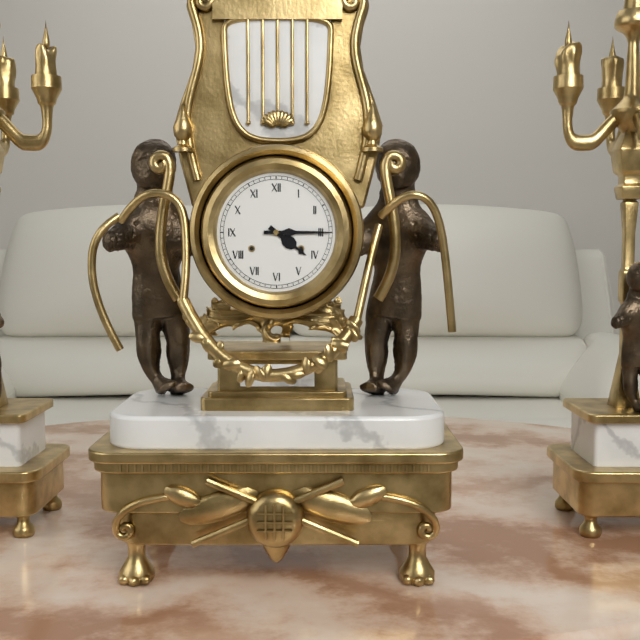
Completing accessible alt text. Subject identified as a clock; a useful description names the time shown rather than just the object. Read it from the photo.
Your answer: 4:15
